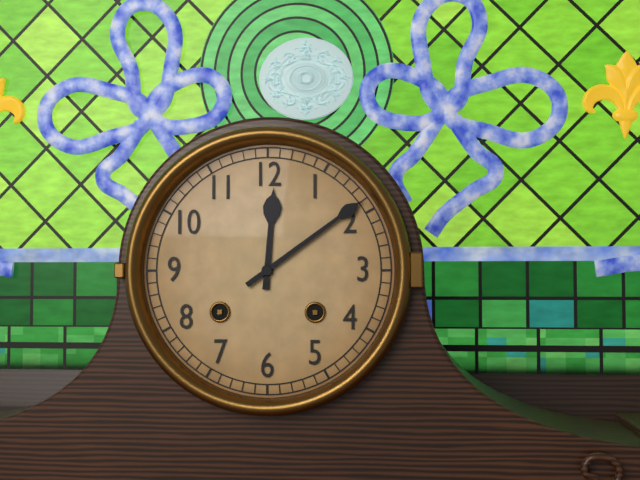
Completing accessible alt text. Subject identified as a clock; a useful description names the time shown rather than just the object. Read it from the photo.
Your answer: 12:09
